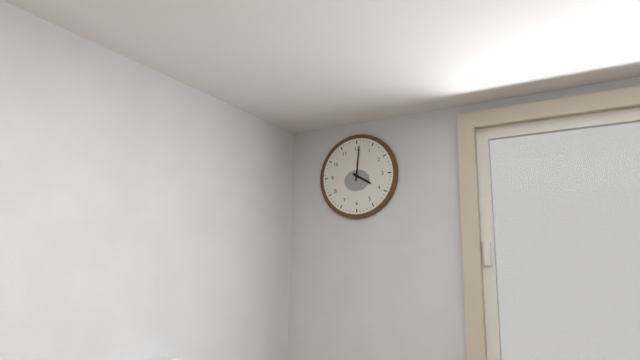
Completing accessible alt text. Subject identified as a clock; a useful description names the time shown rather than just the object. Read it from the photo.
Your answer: 4:01
